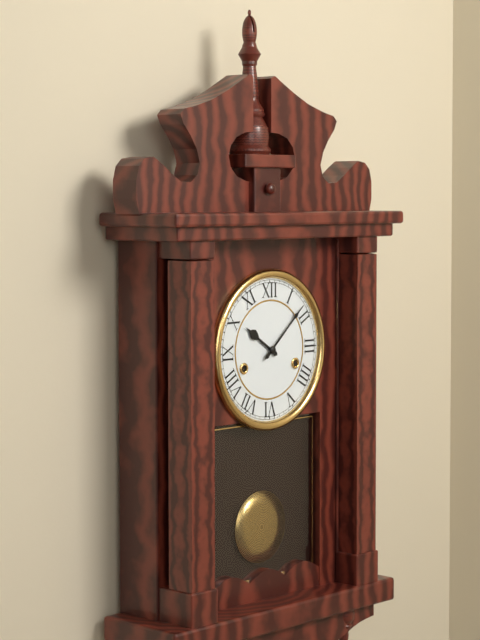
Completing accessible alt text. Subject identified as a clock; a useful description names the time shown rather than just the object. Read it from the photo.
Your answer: 10:08
